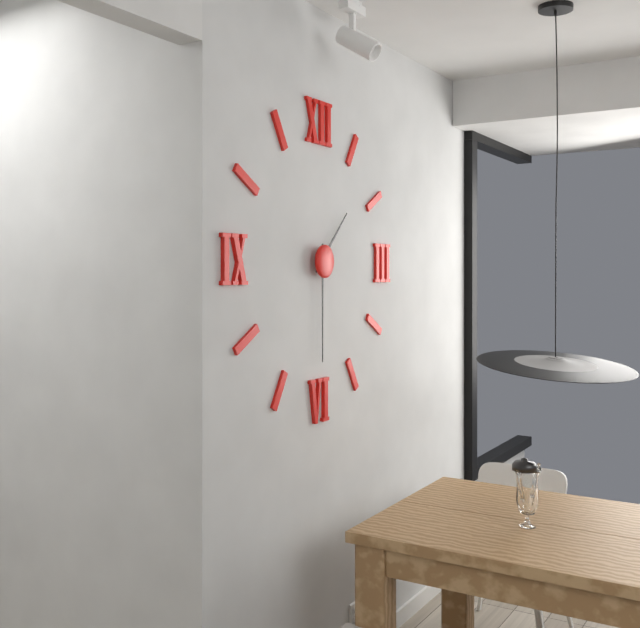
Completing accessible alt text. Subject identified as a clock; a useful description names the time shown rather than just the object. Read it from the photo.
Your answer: 1:30
